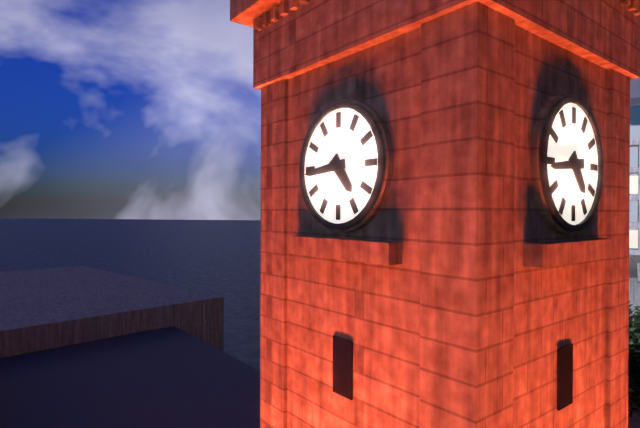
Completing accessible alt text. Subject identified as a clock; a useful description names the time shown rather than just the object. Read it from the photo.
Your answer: 4:44
